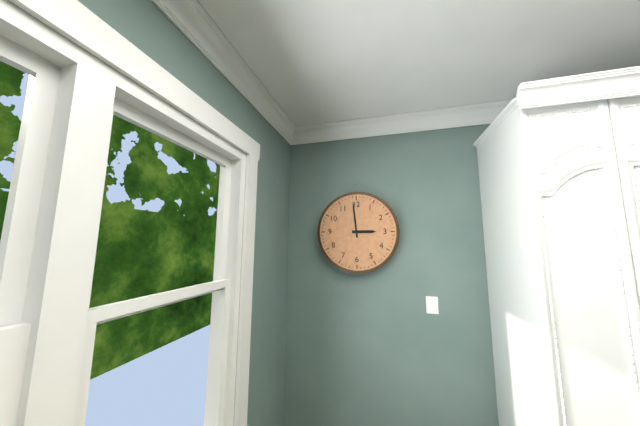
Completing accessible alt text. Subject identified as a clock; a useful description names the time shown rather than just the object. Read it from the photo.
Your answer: 2:59
